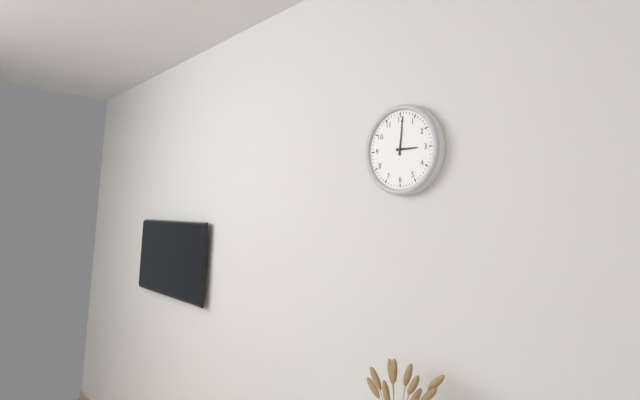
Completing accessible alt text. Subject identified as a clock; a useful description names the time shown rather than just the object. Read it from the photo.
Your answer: 3:01
